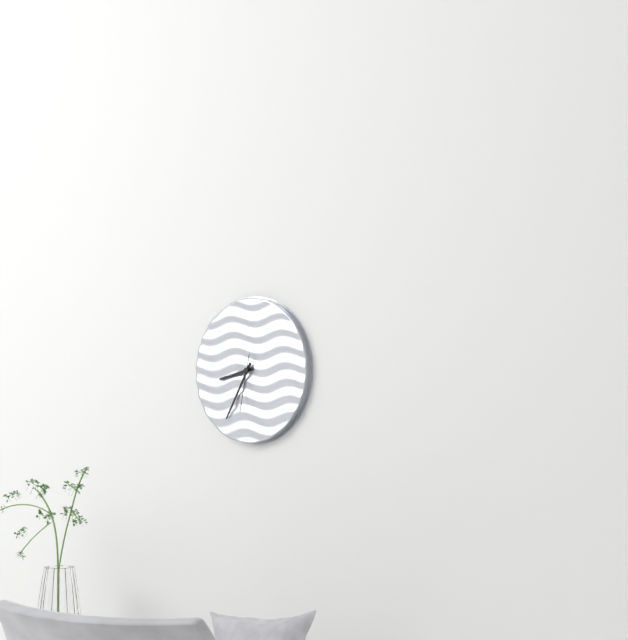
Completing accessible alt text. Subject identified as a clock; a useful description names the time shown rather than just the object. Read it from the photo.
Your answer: 8:35:32
